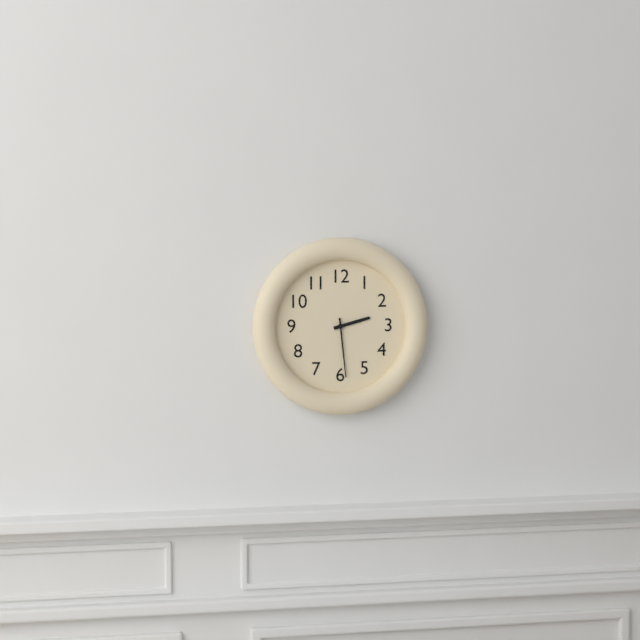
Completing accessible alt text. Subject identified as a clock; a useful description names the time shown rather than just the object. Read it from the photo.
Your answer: 2:29
